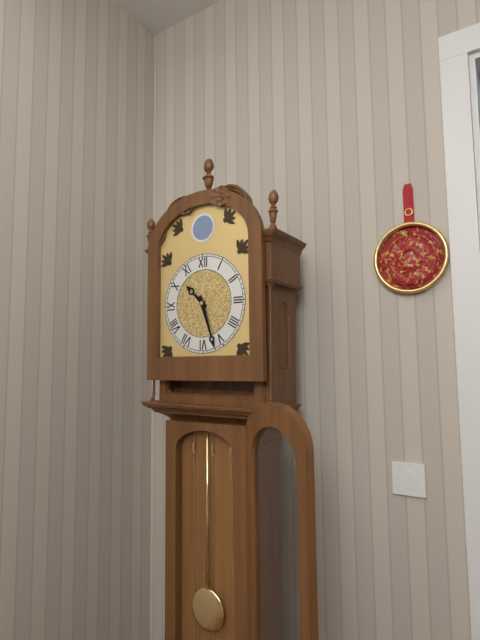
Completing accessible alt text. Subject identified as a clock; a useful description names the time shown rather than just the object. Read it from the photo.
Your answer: 10:27
